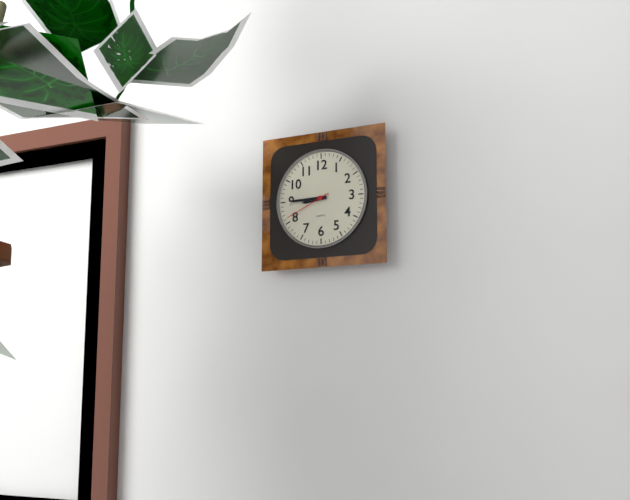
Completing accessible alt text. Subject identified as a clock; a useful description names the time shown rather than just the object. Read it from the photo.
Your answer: 8:45
